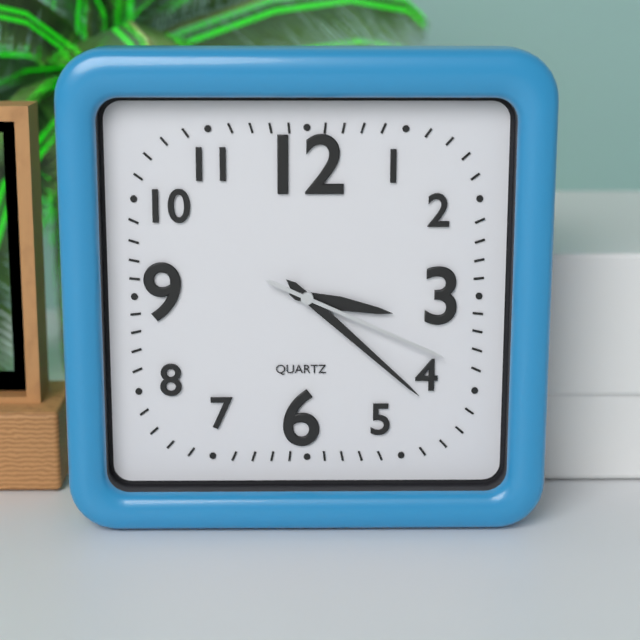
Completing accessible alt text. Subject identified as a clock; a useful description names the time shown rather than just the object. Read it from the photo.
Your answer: 3:22:19
